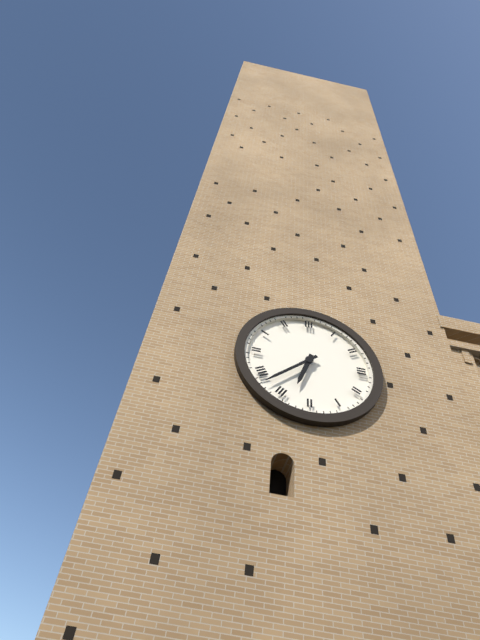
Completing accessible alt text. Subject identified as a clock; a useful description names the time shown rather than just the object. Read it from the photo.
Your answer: 6:38
